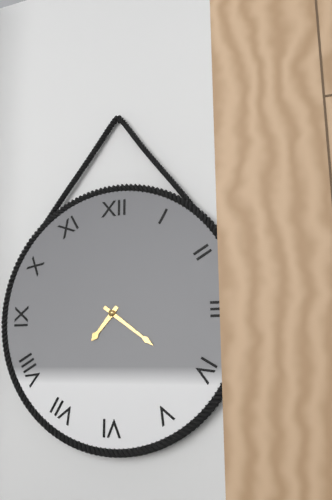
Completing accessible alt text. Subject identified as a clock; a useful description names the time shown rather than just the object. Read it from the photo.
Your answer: 7:21
